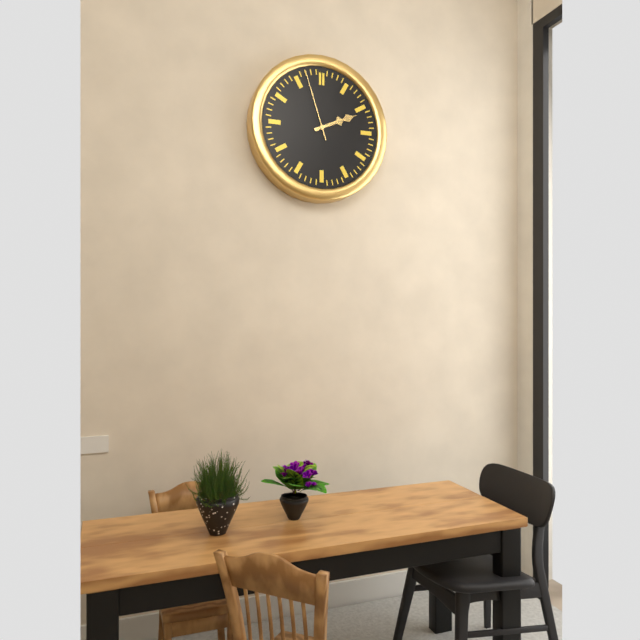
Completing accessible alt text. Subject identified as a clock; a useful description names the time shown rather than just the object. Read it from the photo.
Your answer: 2:11:57
